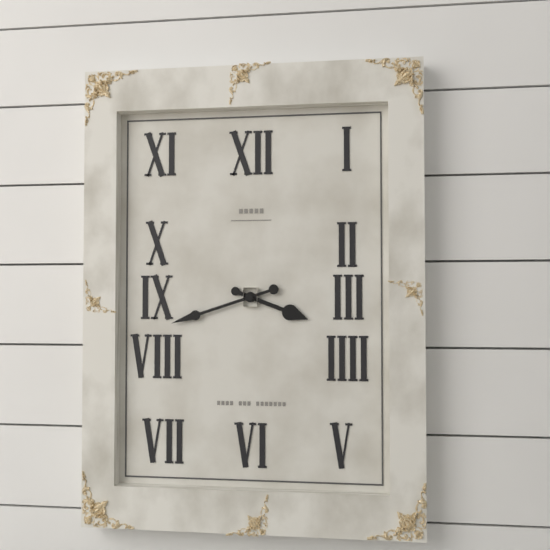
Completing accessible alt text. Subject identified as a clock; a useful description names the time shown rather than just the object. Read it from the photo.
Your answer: 3:42
